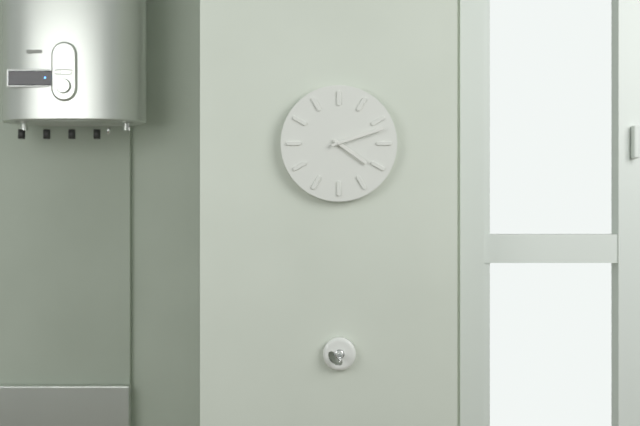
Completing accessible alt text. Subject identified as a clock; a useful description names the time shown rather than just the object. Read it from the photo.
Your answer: 4:12
